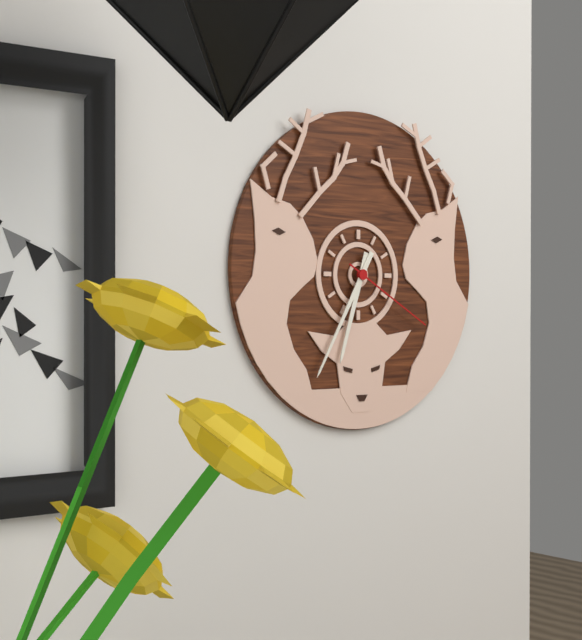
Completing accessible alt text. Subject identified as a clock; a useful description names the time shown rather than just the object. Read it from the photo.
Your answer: 6:35:20
